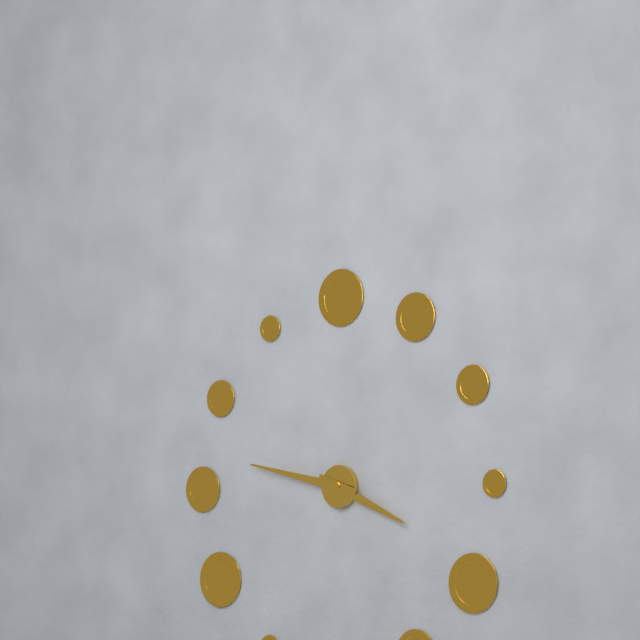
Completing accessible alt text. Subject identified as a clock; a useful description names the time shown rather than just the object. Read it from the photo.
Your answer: 3:47
